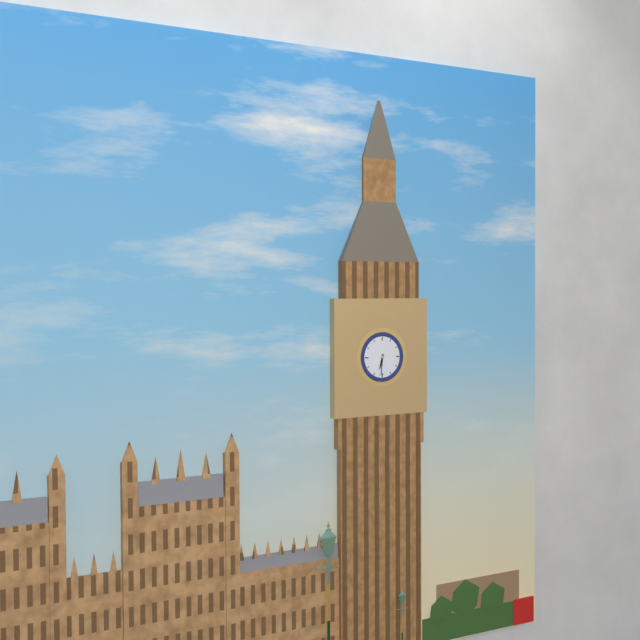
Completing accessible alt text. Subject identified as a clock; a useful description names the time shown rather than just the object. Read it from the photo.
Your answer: 6:31
